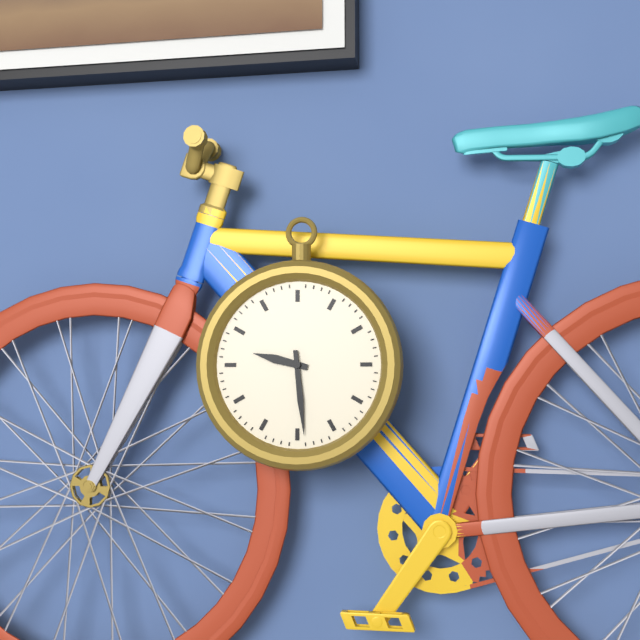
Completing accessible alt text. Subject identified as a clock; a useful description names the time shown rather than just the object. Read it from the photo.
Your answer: 9:29
